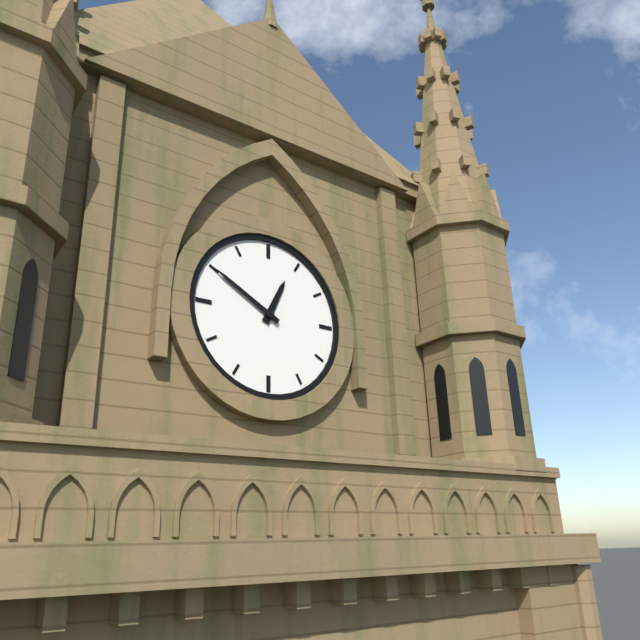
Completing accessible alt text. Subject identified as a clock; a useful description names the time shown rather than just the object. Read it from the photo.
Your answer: 12:50
